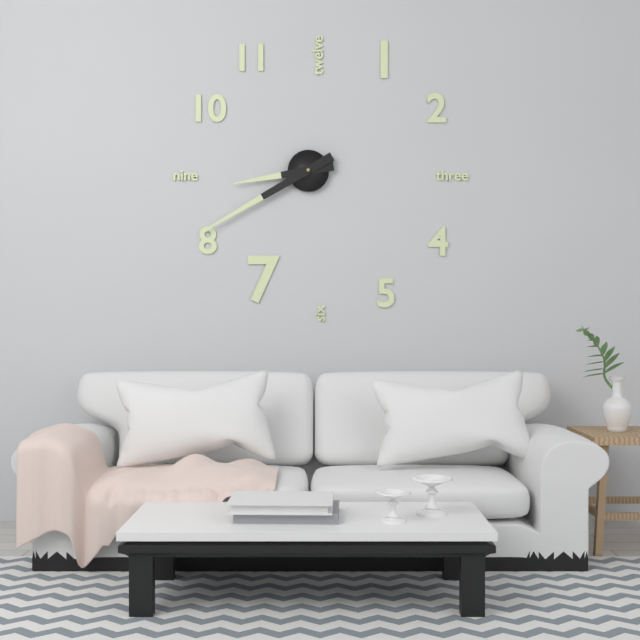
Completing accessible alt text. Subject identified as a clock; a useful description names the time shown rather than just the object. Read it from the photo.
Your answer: 8:40
